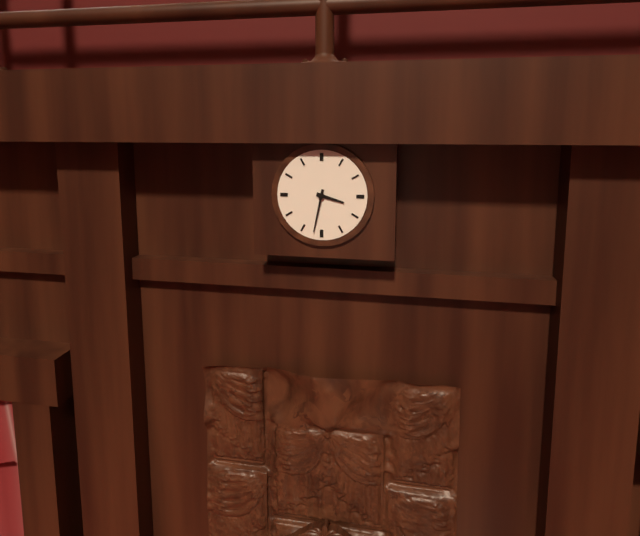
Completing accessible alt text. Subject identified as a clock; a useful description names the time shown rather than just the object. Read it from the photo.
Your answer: 3:32
